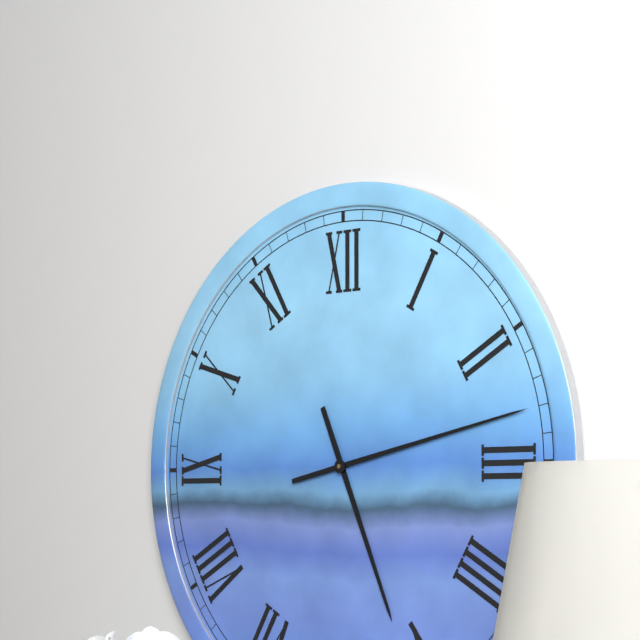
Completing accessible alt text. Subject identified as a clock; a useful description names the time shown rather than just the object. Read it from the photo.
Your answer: 5:13
